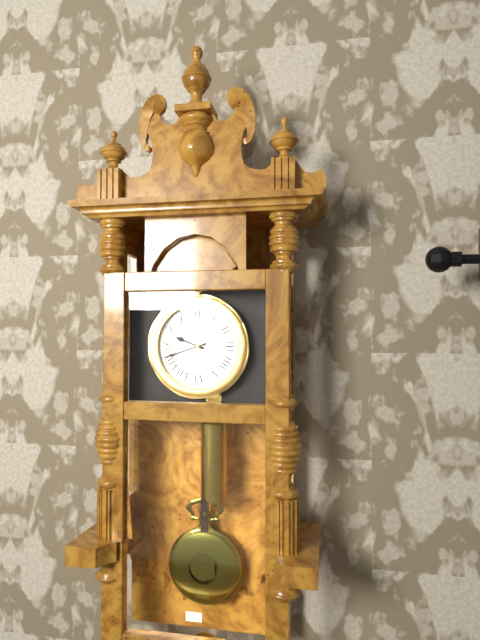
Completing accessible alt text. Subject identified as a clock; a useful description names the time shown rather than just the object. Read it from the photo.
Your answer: 9:42
